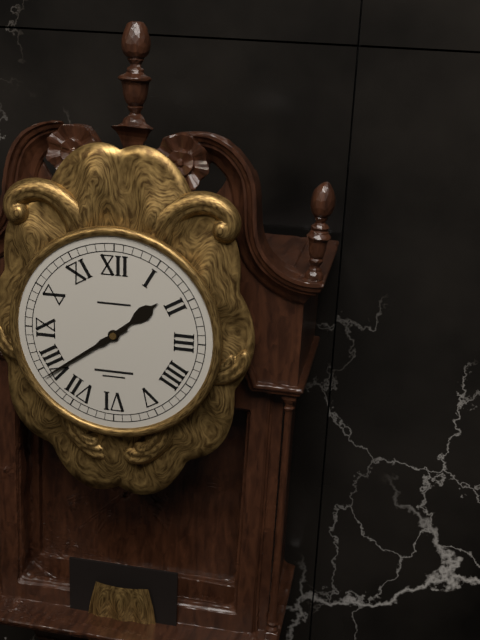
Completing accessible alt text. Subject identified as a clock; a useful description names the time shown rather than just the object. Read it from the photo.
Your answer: 1:39
